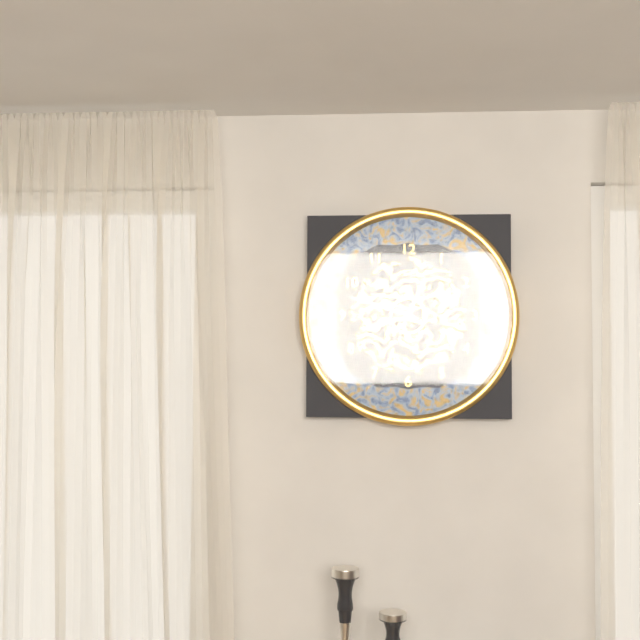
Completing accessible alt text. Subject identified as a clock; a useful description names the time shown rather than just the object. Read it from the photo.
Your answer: 12:48
